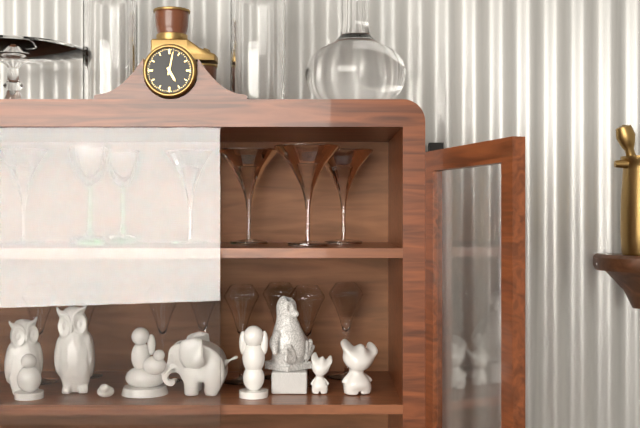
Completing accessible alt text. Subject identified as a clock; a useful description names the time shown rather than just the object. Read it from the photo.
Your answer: 5:02
